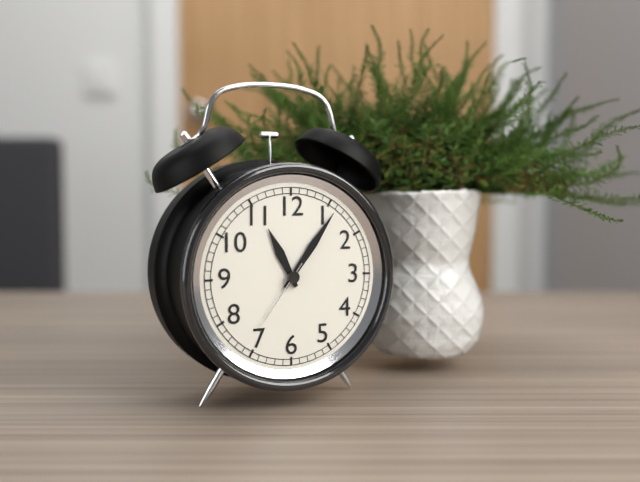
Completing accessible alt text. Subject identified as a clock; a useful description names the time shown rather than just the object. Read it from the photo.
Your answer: 11:06:36
